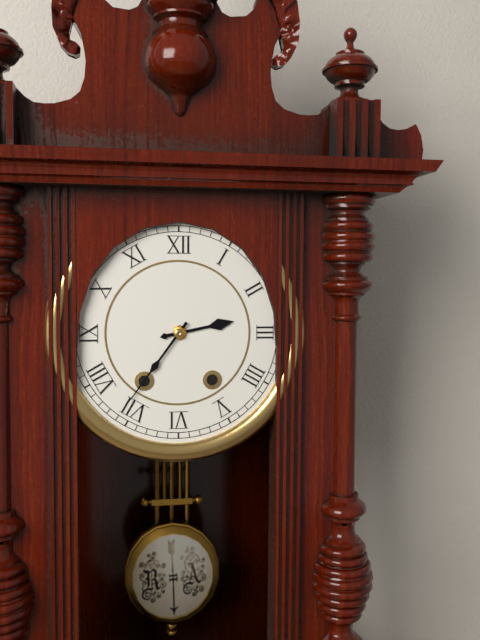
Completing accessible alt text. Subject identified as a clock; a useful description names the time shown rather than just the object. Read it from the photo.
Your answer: 2:36
